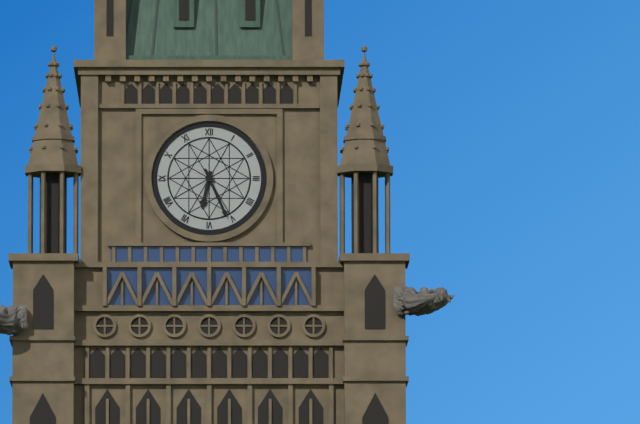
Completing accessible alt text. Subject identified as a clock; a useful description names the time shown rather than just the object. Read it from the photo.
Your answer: 6:26
